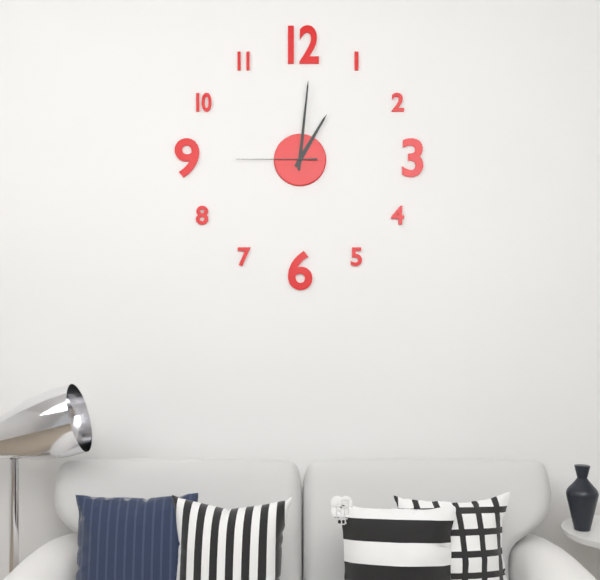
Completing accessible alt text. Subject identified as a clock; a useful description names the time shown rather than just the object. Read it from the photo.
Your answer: 1:01:45
